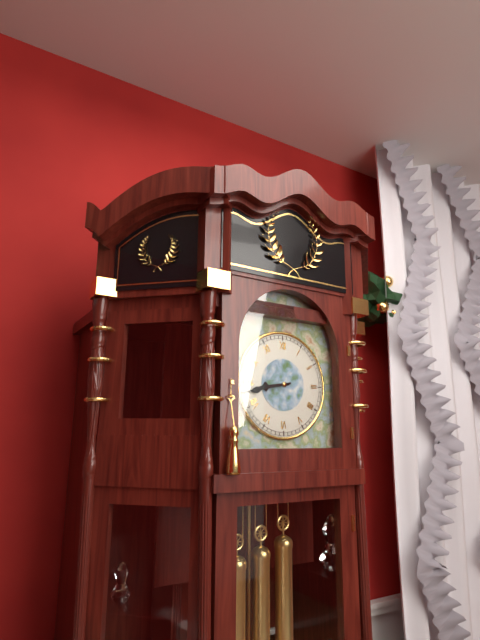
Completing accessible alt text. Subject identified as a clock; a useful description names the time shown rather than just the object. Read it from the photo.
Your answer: 8:43
